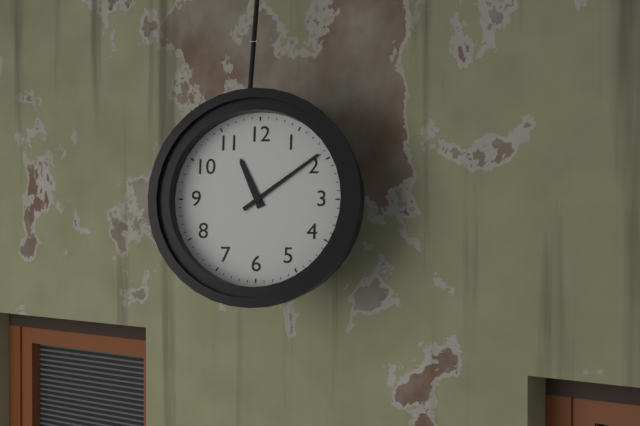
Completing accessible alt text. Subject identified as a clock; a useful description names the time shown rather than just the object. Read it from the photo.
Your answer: 11:09
